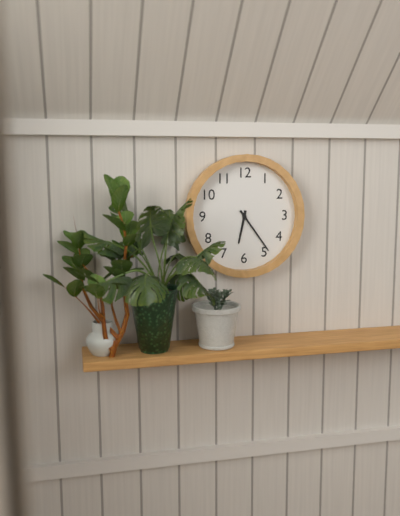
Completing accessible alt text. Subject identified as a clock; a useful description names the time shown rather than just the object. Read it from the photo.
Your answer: 6:24
